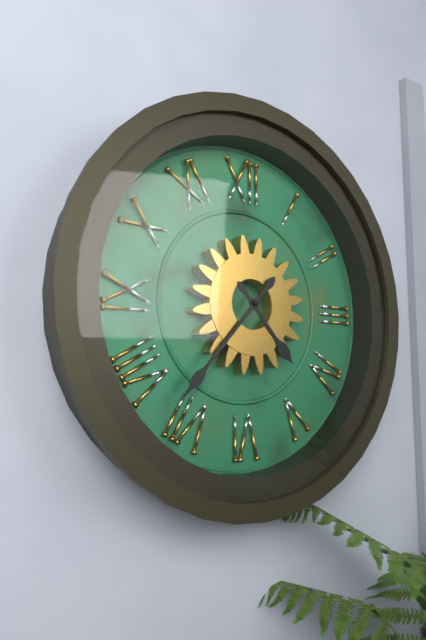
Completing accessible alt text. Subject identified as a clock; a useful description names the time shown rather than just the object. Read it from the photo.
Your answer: 4:37
